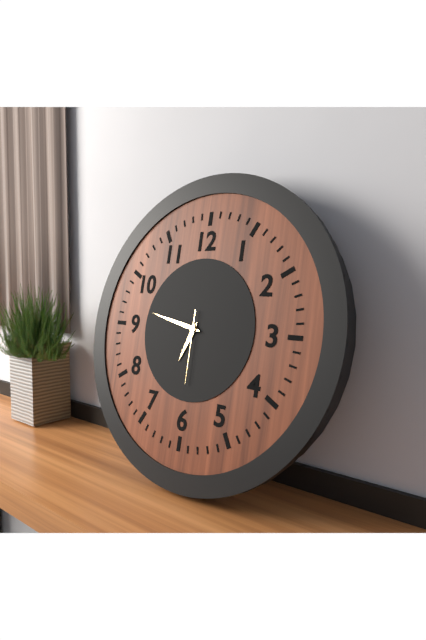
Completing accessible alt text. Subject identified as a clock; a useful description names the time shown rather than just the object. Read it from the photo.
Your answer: 6:47:30
